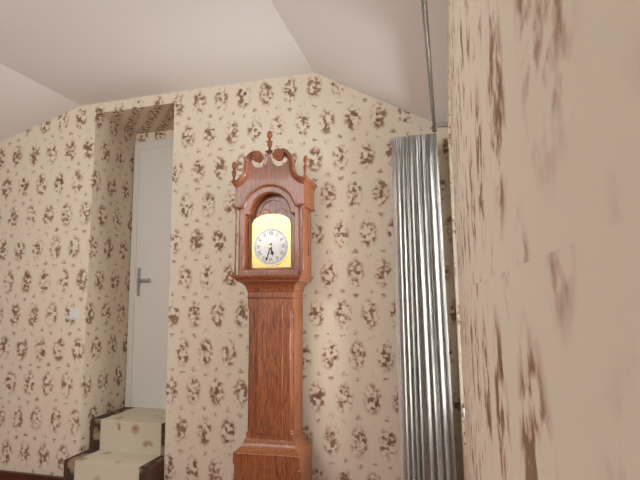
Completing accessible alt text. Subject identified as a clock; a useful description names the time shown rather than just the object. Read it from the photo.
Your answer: 5:33
